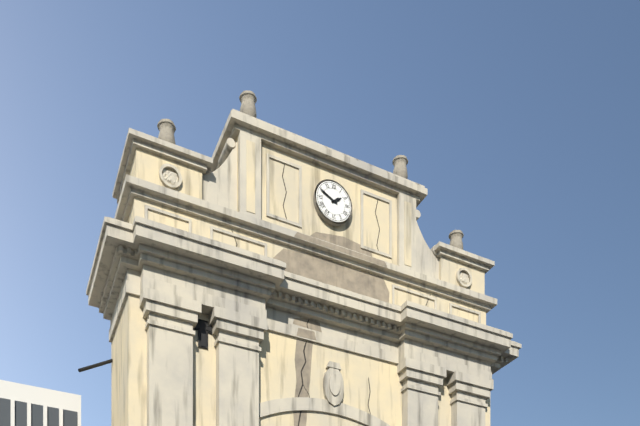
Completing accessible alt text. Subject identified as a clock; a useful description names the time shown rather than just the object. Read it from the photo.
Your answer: 1:49
